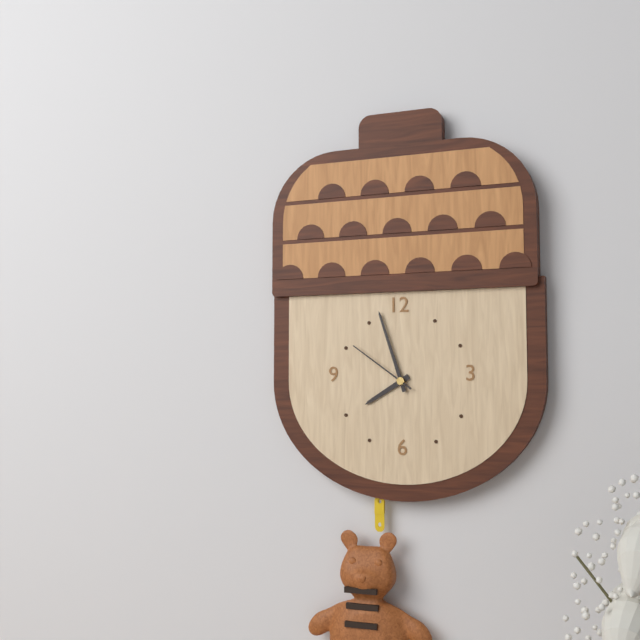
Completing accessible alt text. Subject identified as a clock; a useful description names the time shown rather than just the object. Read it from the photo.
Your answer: 7:57:51
